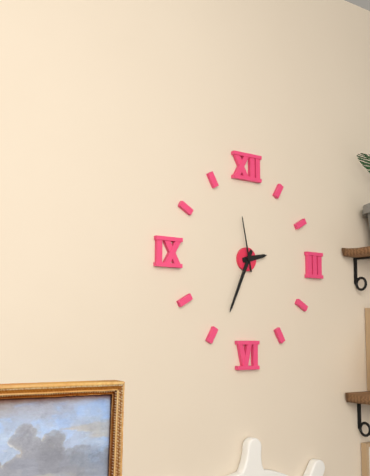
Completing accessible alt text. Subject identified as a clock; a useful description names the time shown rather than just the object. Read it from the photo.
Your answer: 2:34:58
